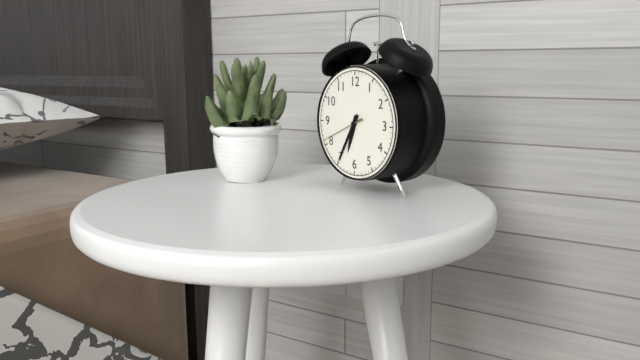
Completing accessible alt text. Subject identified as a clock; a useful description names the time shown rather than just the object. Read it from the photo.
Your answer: 6:35
